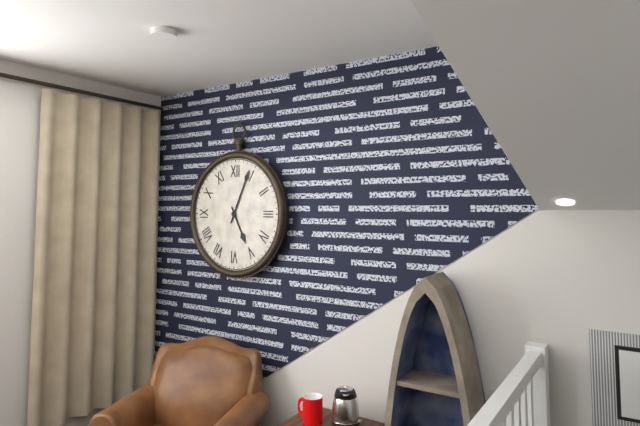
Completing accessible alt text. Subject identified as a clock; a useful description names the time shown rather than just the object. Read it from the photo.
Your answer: 5:04
